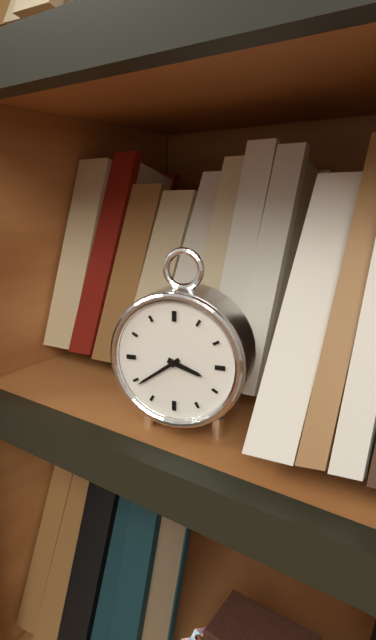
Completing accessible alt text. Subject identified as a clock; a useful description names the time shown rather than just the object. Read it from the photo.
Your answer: 3:39
